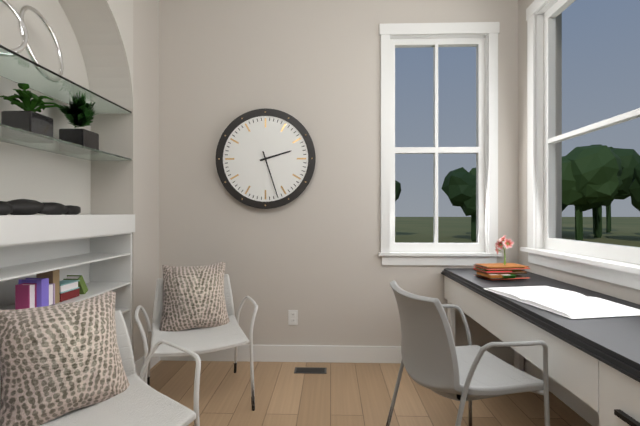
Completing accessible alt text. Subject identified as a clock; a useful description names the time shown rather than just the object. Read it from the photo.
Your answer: 2:27
